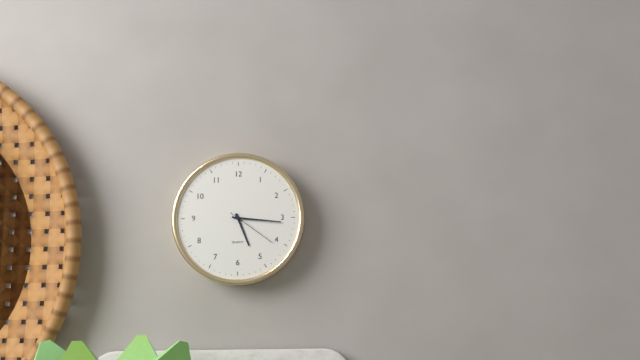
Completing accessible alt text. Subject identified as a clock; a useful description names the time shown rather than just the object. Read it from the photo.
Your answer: 5:16:21
